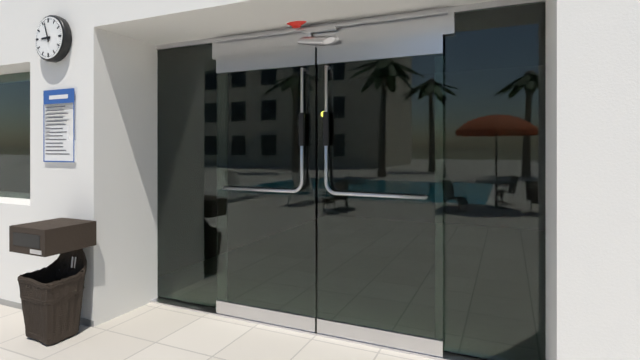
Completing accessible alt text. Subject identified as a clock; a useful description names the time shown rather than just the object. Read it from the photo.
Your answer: 8:57
